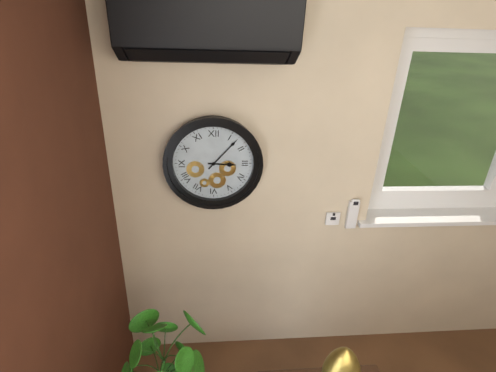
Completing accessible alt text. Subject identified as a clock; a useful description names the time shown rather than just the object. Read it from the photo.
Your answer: 3:07
